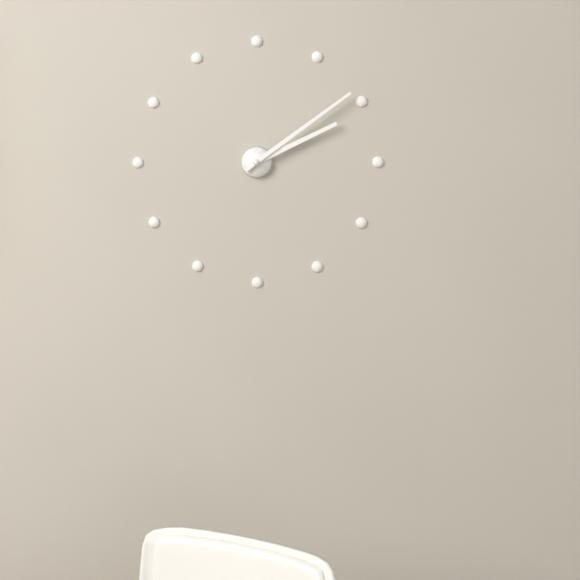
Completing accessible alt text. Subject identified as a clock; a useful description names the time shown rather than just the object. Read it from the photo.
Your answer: 2:09
